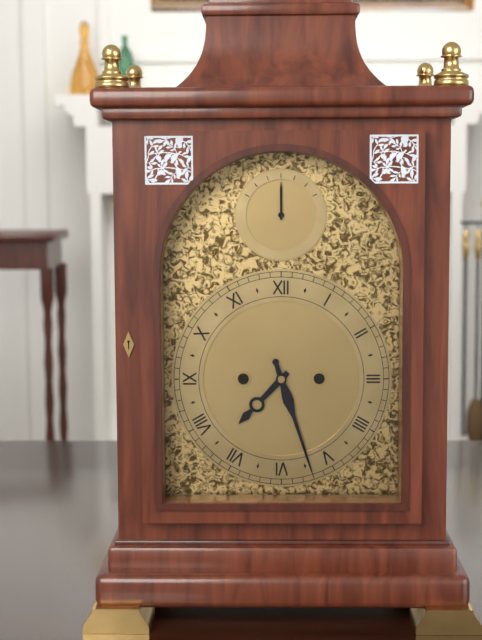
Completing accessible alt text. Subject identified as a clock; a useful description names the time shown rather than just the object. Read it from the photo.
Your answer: 7:27
